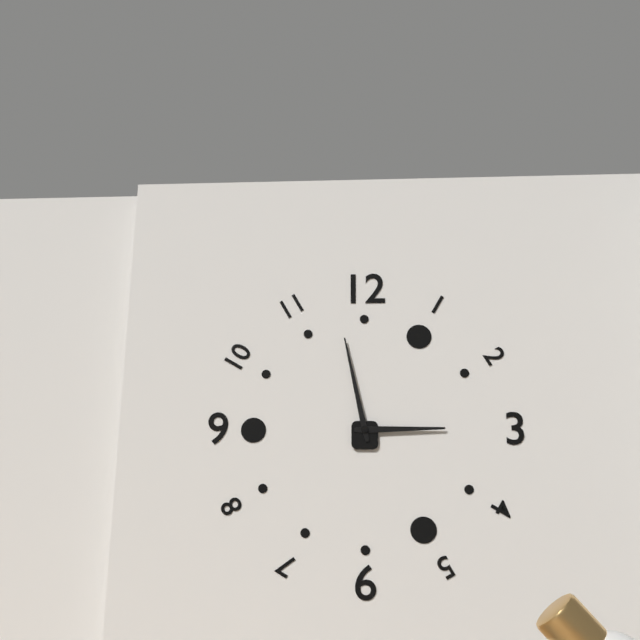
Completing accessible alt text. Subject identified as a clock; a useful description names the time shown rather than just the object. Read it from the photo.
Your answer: 2:58
